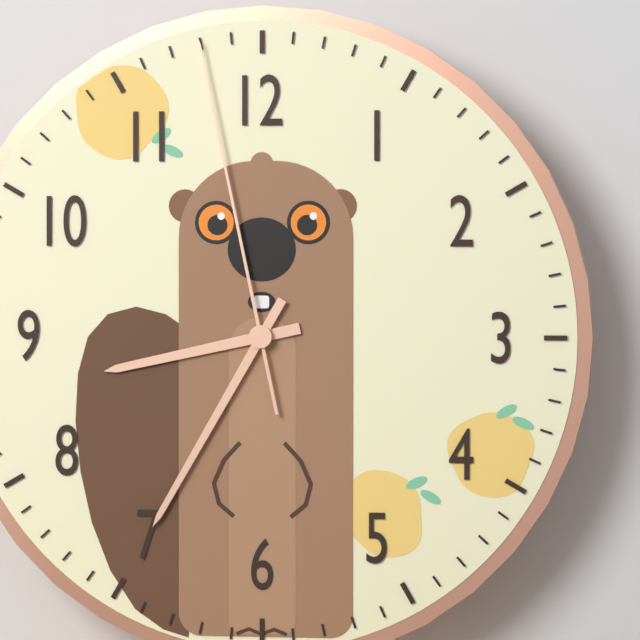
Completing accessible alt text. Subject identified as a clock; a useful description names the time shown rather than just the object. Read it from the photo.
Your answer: 8:35:58
